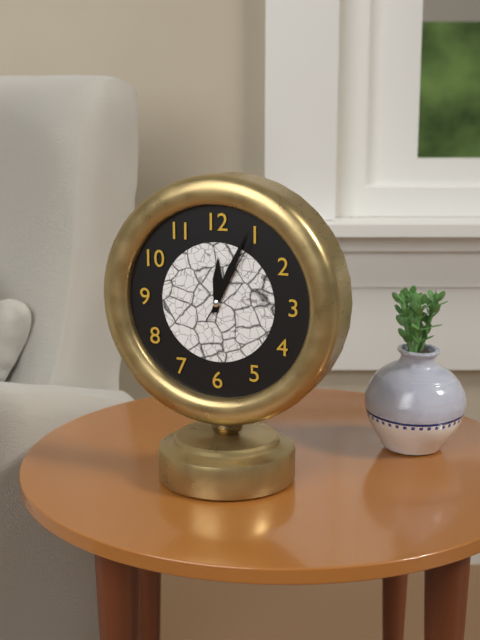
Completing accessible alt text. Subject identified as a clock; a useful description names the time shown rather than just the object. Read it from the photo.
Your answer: 12:04:05
